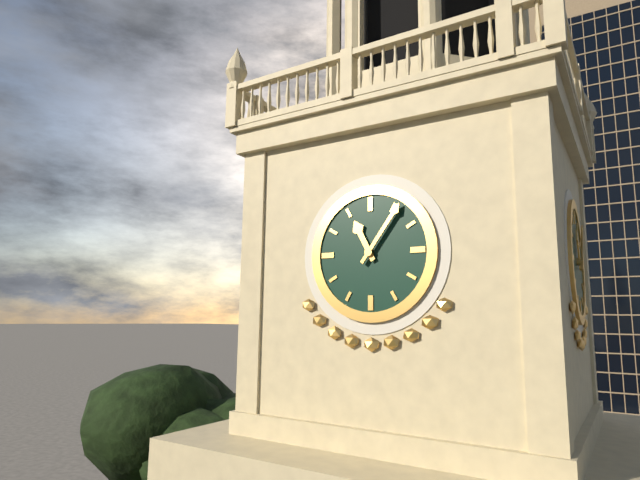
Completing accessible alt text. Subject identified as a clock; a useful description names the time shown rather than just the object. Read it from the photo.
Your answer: 11:06
